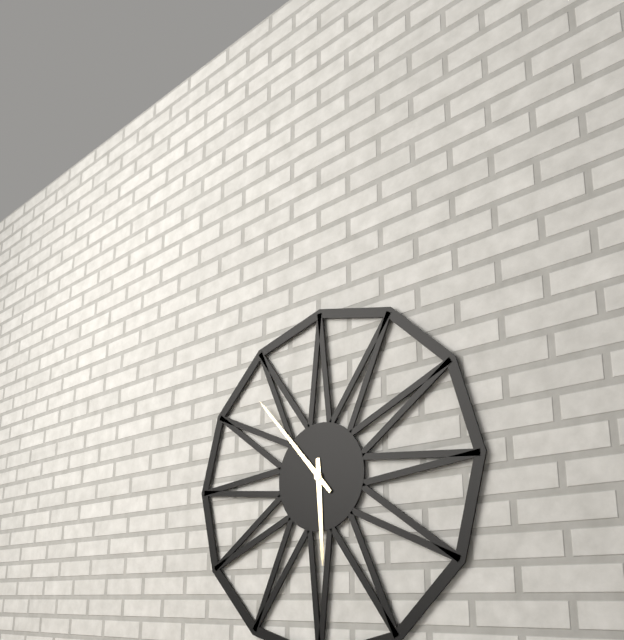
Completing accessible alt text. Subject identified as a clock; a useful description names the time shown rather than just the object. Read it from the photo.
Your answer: 5:53
